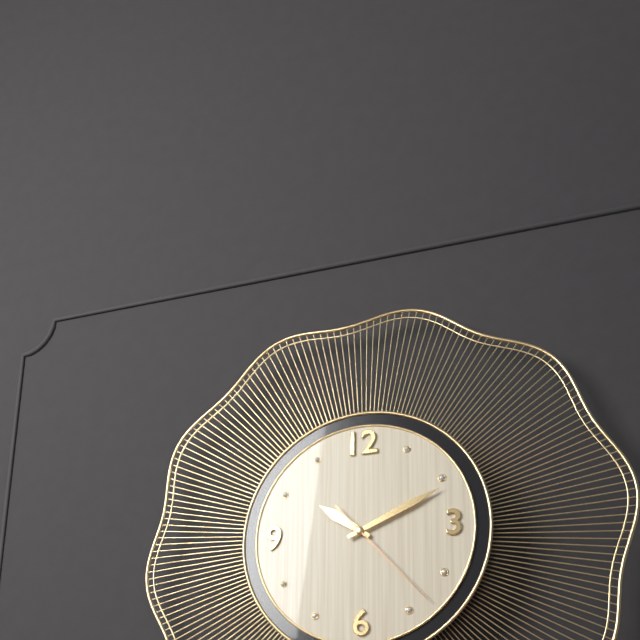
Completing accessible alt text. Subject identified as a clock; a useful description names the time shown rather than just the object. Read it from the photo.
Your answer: 10:11:23
